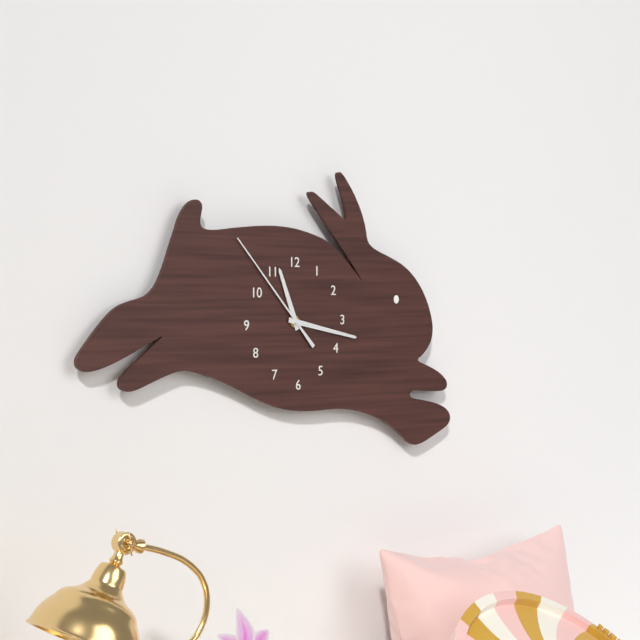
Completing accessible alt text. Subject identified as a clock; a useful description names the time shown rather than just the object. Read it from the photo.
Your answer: 11:17:53
